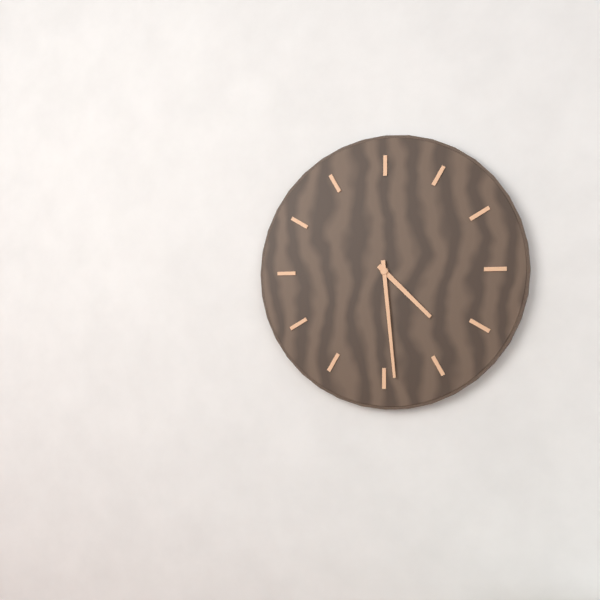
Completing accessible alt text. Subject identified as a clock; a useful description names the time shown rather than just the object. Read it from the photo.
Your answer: 4:29
